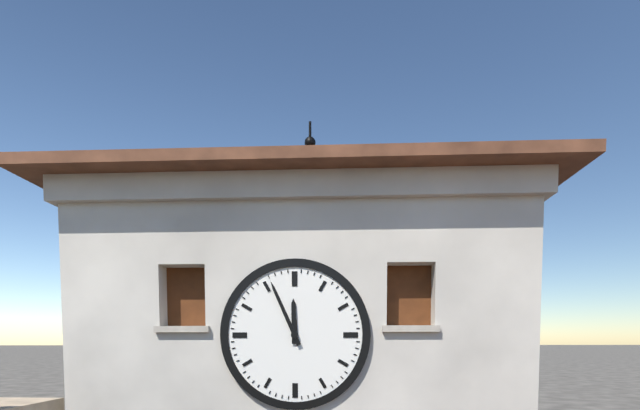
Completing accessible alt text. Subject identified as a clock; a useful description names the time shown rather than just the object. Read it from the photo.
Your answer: 11:56
